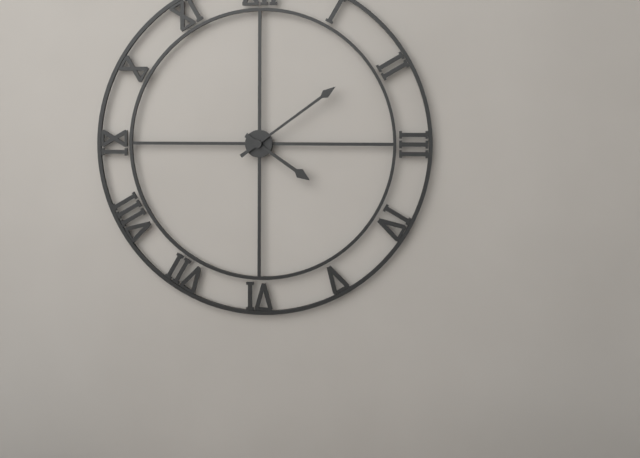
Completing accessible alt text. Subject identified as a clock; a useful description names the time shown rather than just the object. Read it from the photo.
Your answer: 4:09
